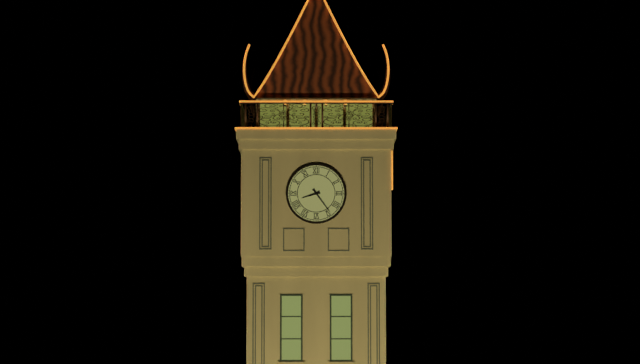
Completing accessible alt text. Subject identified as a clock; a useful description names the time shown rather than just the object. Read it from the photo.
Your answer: 8:24
